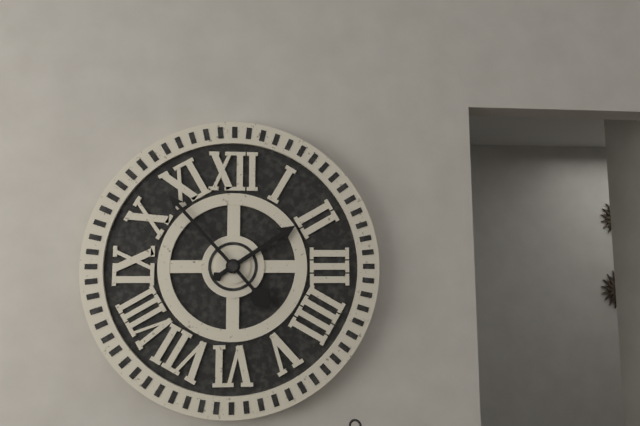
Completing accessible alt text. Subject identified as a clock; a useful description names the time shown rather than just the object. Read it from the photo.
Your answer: 1:53
